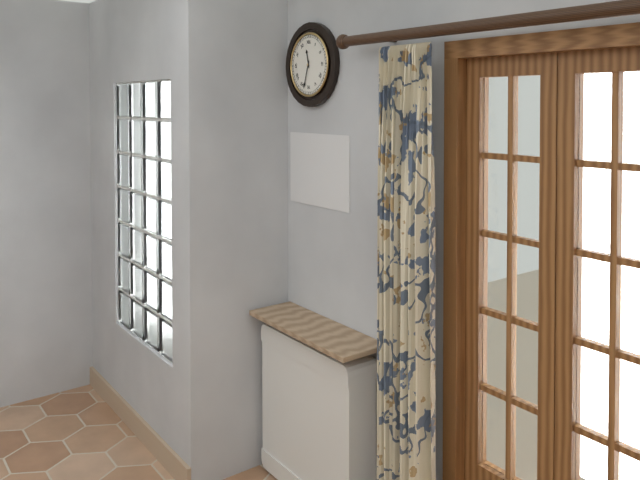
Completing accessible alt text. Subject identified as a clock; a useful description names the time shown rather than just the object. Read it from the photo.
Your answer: 11:33
